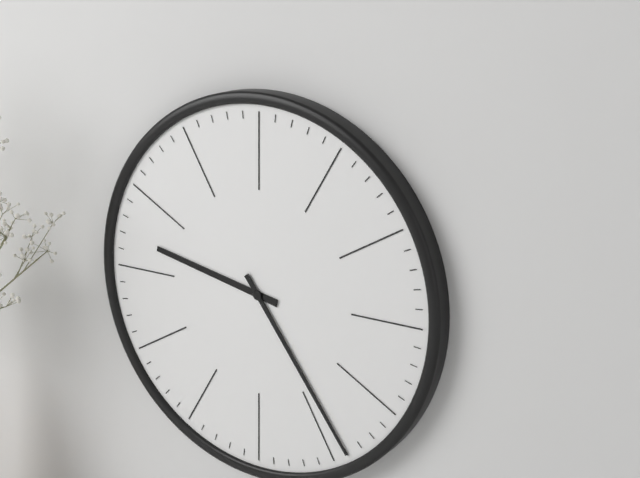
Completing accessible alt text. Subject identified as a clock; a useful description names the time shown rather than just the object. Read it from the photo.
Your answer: 9:24
